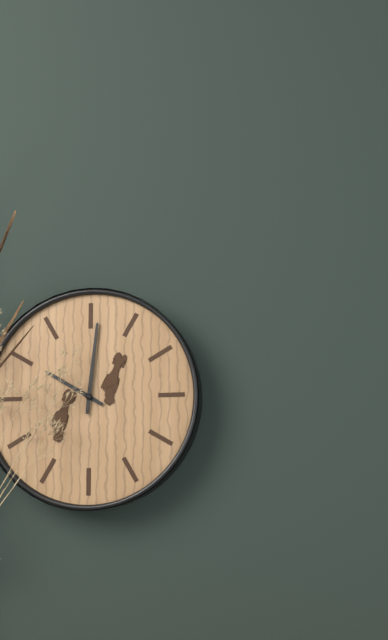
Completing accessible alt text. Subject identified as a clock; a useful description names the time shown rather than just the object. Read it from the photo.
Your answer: 10:01
